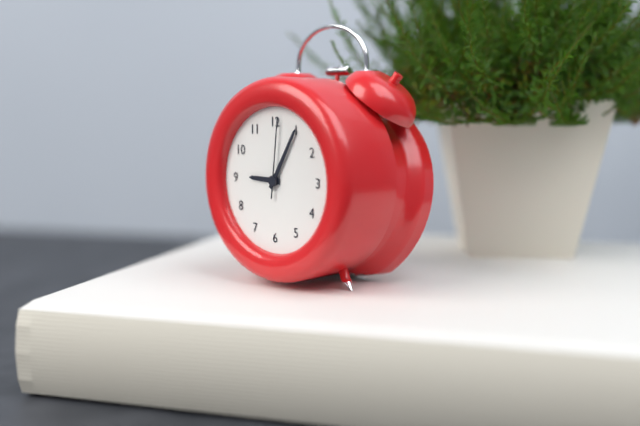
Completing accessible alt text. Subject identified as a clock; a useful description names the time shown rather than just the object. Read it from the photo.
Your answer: 9:05:01
